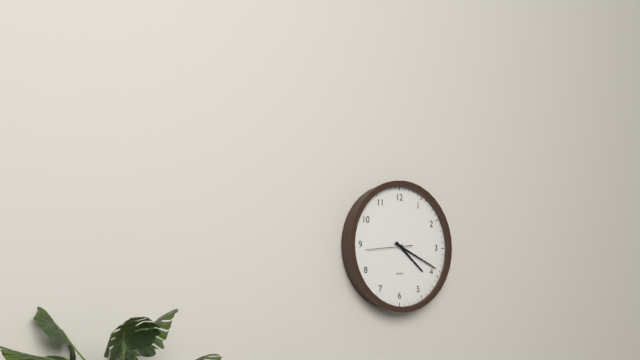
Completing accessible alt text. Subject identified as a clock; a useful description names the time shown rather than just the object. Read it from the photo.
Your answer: 4:19
